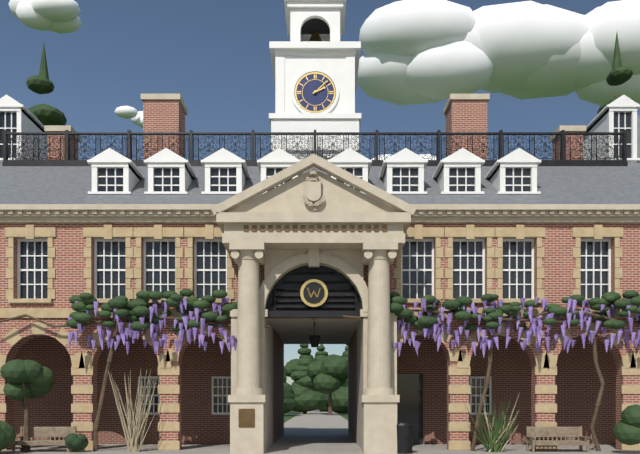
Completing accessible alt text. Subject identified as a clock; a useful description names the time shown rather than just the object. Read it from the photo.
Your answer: 2:08
